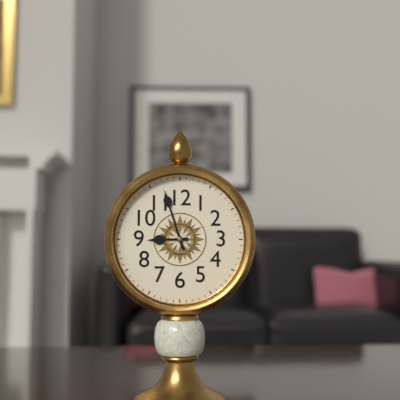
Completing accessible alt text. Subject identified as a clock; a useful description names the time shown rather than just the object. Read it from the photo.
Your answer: 8:57
